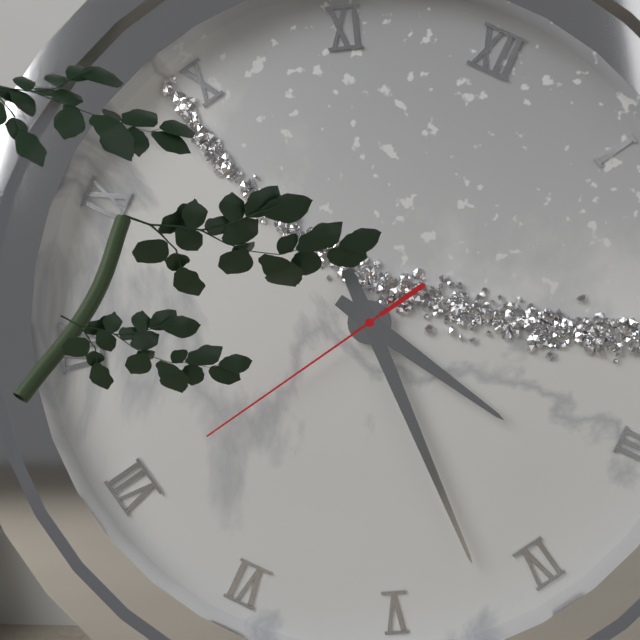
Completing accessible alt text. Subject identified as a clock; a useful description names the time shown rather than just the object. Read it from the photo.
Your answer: 3:22:35
